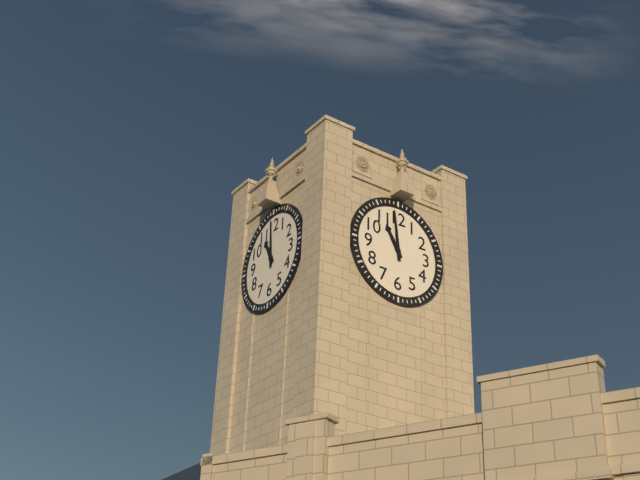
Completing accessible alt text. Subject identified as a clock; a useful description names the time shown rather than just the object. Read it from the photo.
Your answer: 10:59
